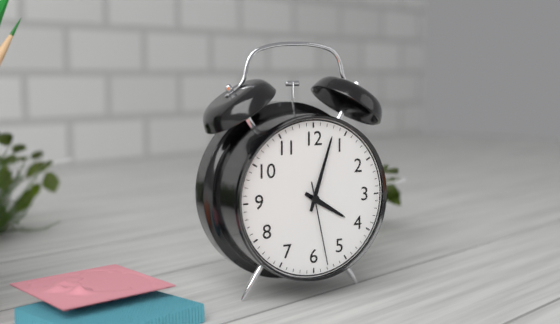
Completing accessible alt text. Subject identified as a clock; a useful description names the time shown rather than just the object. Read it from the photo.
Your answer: 4:03:28
